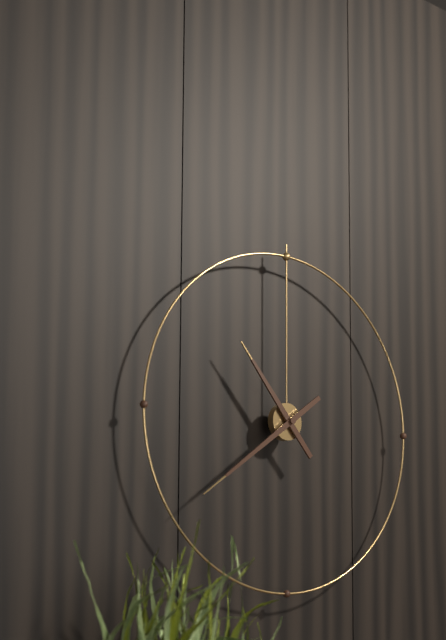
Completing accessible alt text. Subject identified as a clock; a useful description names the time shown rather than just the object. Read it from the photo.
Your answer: 10:39
